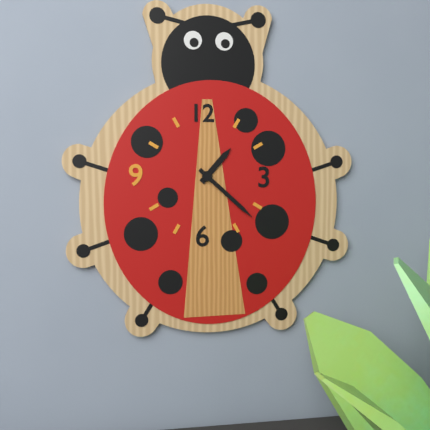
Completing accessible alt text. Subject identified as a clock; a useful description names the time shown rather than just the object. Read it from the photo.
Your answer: 1:22
